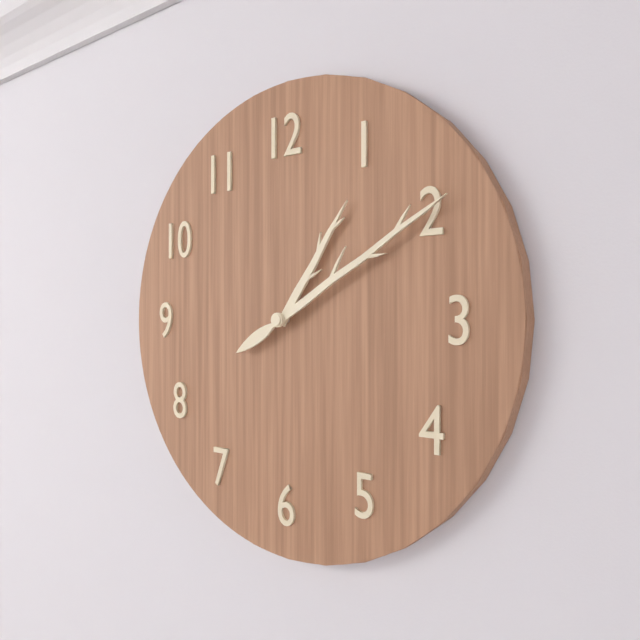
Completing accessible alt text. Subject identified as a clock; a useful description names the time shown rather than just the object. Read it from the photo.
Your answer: 1:10
